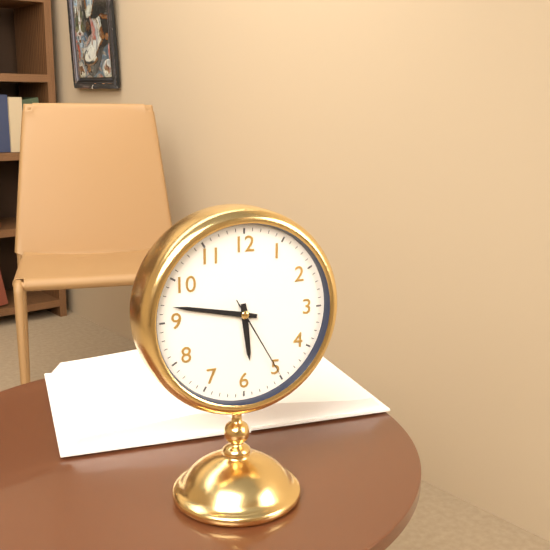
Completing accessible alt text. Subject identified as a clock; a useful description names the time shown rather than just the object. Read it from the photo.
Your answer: 5:47:25
